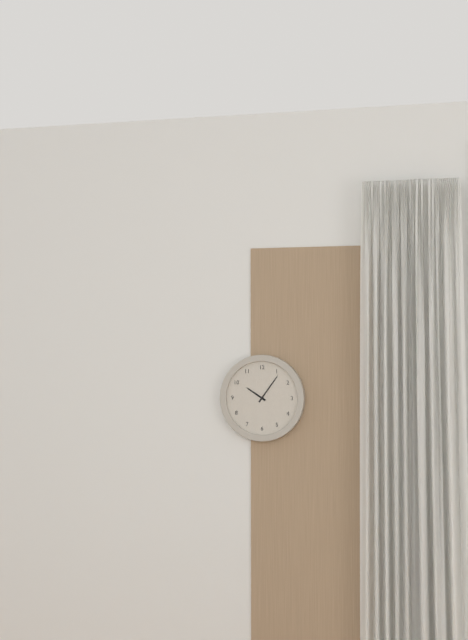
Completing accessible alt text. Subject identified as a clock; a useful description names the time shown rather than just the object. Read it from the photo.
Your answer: 10:06
